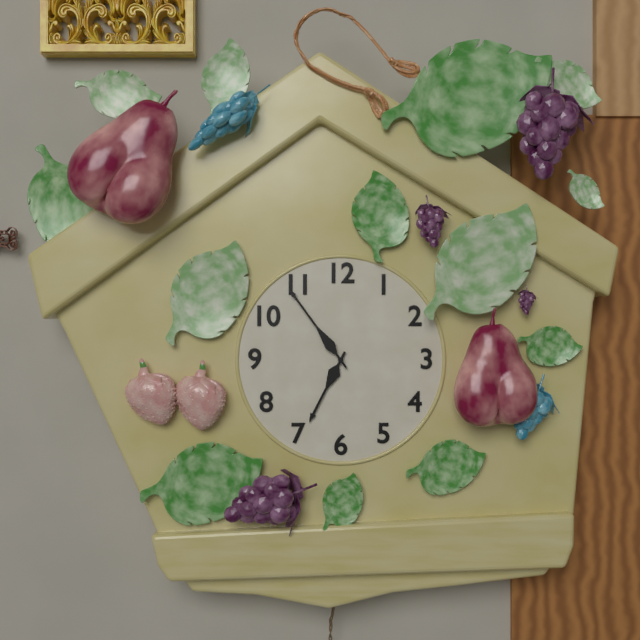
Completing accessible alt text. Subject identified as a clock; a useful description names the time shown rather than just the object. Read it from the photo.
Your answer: 6:54
